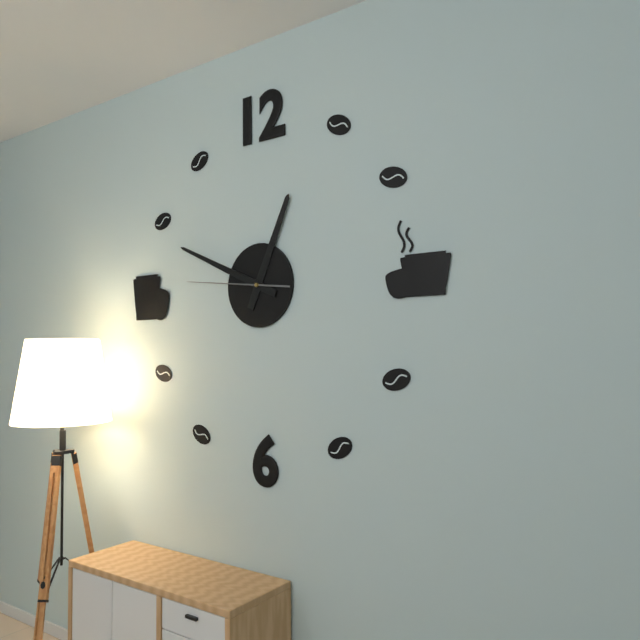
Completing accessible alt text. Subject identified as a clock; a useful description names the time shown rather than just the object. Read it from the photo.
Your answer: 12:49:46
